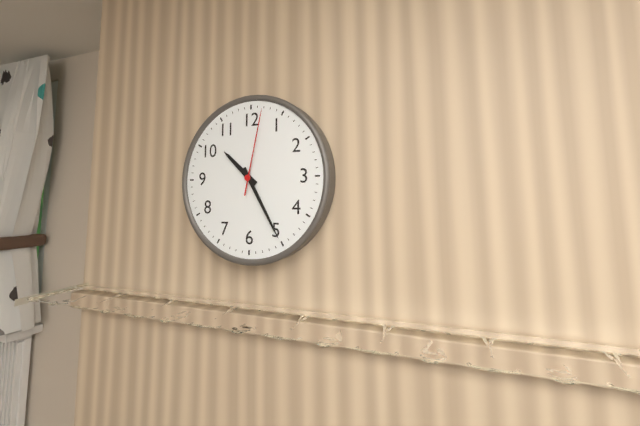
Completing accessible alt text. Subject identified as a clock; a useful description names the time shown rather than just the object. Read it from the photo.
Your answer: 10:25:02
